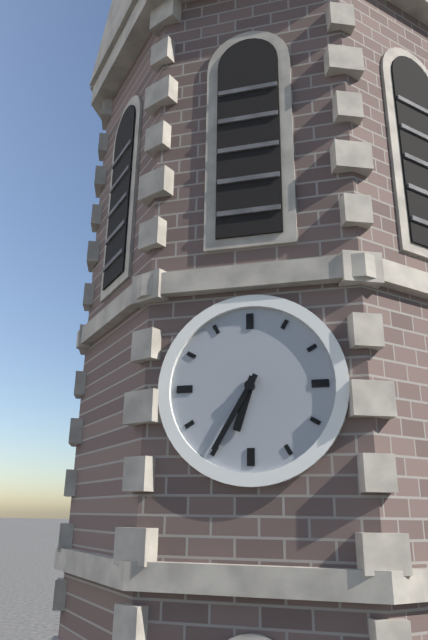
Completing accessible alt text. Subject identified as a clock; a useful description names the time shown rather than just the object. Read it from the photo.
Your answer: 6:35
